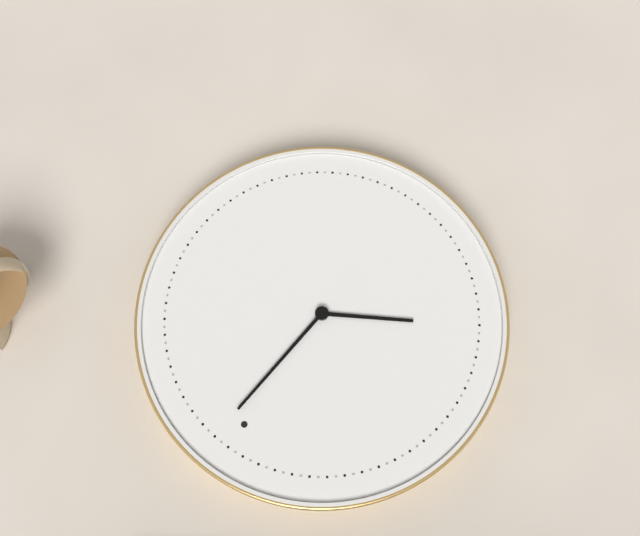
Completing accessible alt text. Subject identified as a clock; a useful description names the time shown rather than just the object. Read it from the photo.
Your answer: 8:01
